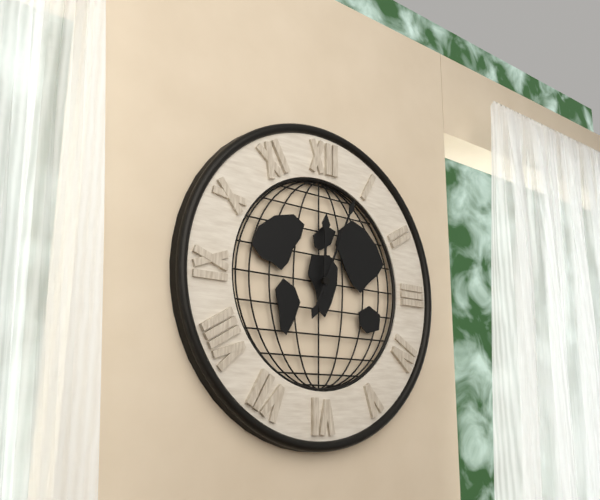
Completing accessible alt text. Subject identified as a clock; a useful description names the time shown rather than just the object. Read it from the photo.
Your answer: 12:04
